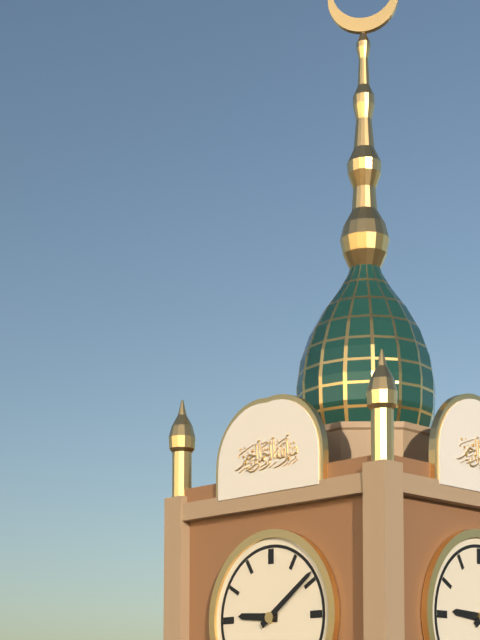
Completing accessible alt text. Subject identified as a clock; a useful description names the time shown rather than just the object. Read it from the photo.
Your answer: 9:09
